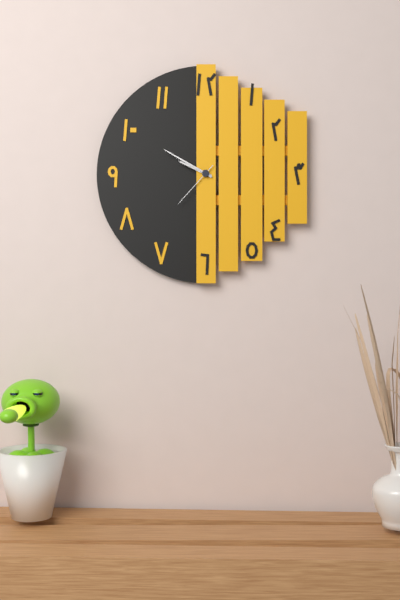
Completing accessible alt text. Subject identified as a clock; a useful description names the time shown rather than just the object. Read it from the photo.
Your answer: 9:50:37
